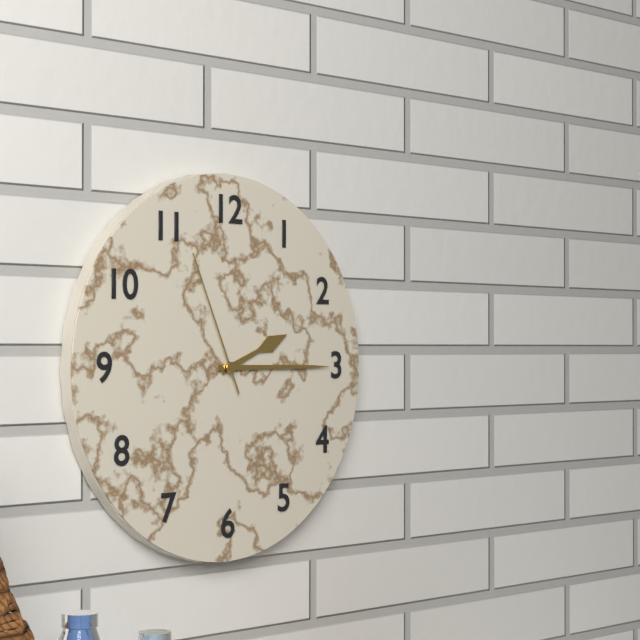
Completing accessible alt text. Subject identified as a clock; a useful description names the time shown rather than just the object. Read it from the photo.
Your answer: 2:15:56
